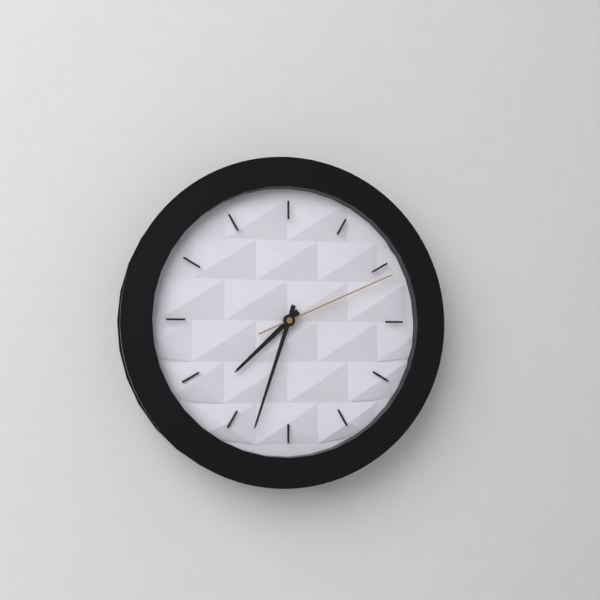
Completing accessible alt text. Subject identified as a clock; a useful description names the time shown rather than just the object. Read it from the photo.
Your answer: 7:33:11
